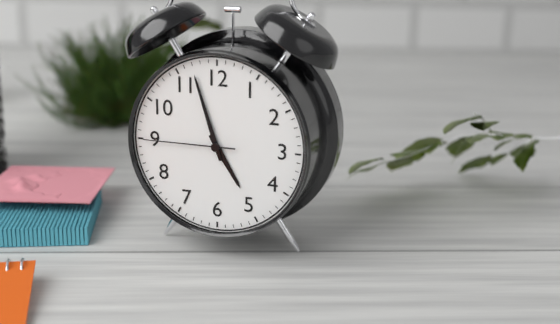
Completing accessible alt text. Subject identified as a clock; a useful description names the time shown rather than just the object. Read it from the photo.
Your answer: 4:57:45
